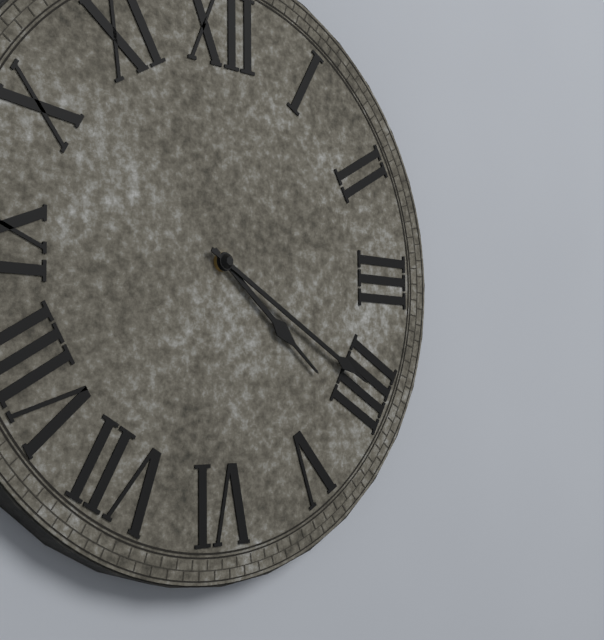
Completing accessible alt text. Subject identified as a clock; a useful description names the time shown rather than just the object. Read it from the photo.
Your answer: 4:20
